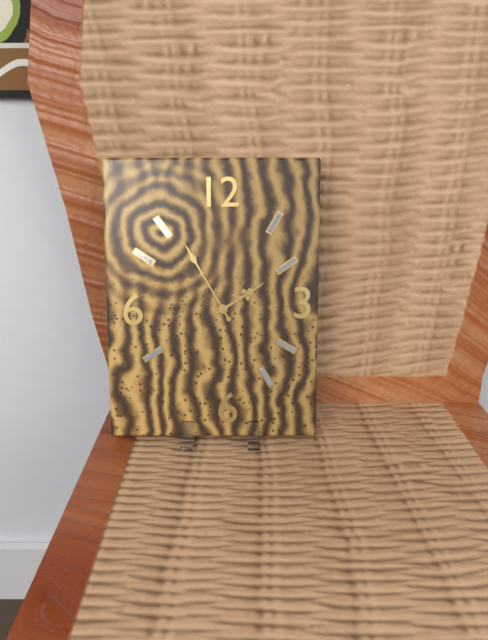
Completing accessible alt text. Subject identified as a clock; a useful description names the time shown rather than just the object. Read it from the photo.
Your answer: 1:55
